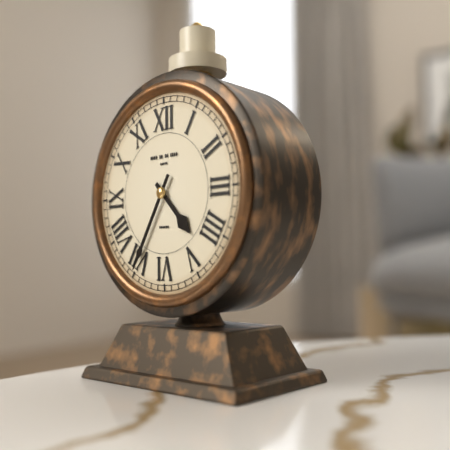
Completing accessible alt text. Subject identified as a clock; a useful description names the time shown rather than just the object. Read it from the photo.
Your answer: 4:35
